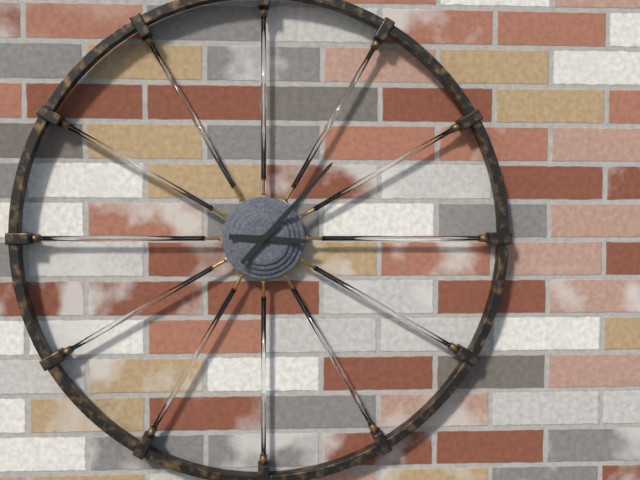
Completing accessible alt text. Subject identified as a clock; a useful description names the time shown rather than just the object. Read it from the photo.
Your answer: 3:07
